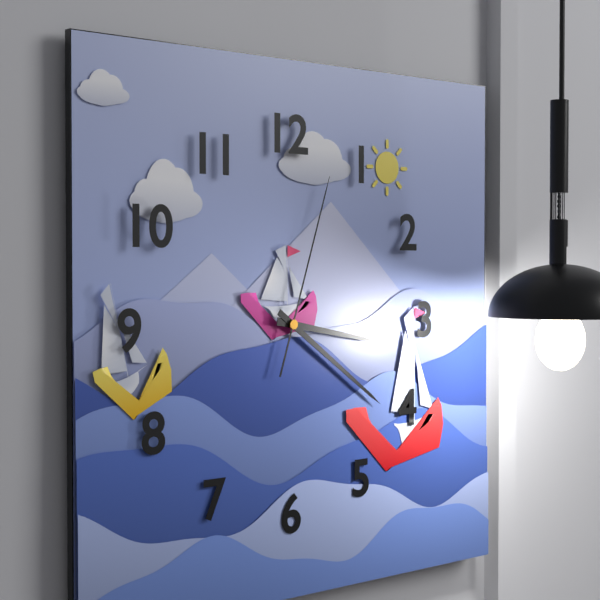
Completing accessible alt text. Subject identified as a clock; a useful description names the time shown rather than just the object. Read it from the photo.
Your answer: 3:21:03
